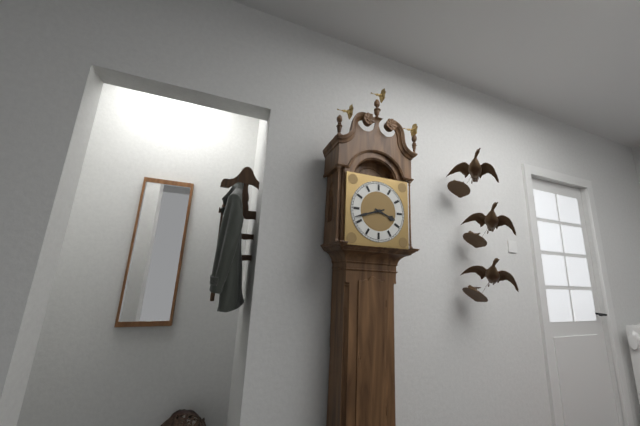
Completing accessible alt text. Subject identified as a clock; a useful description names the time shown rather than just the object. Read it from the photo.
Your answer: 3:42
